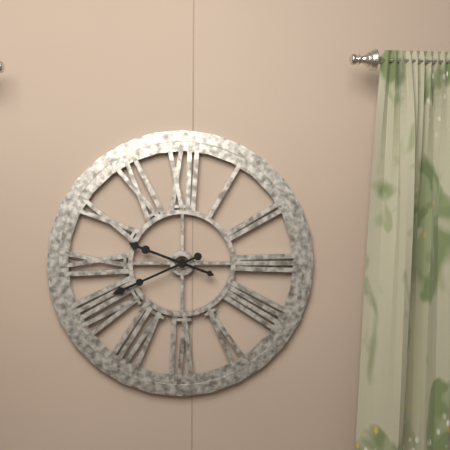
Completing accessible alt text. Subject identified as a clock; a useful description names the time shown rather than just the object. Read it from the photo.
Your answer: 9:41
